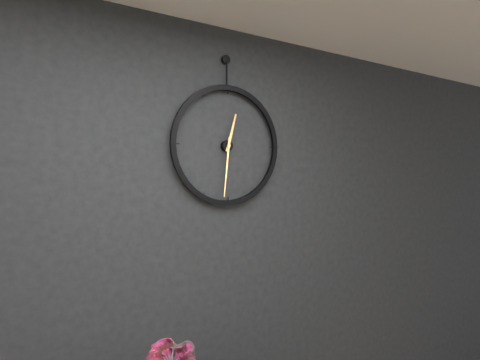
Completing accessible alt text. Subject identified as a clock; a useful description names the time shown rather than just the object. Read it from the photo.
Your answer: 12:31
